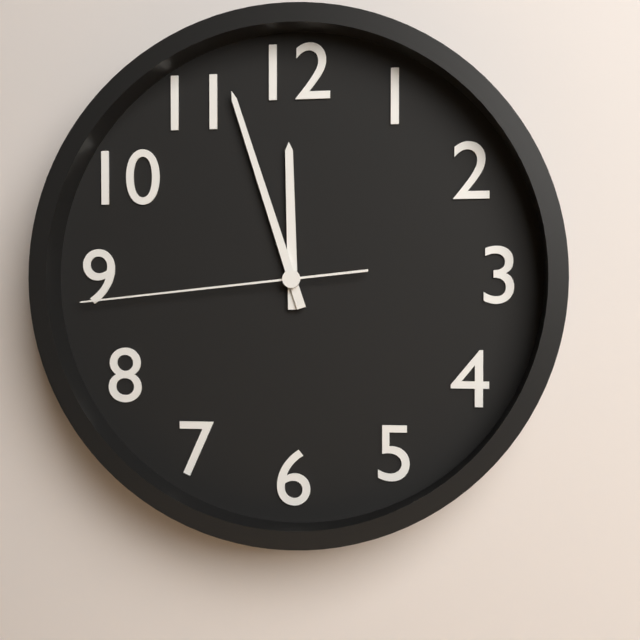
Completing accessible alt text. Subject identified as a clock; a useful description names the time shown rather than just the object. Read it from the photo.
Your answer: 11:57:44
